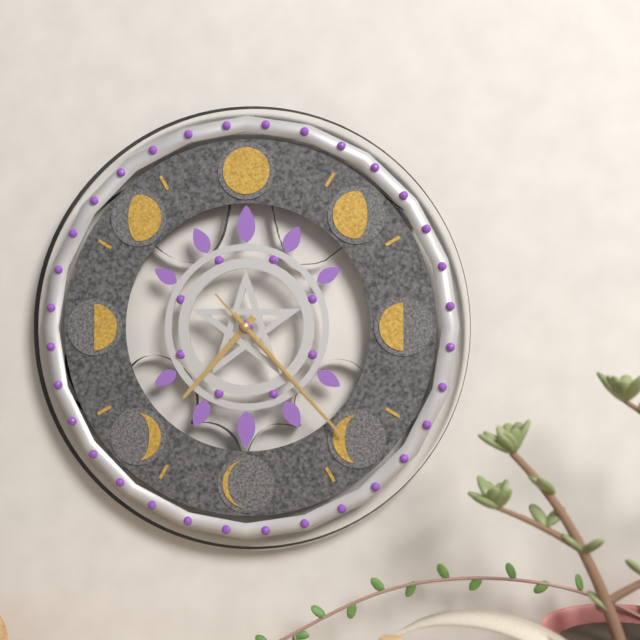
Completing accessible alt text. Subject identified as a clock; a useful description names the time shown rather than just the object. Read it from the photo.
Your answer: 7:23:23
